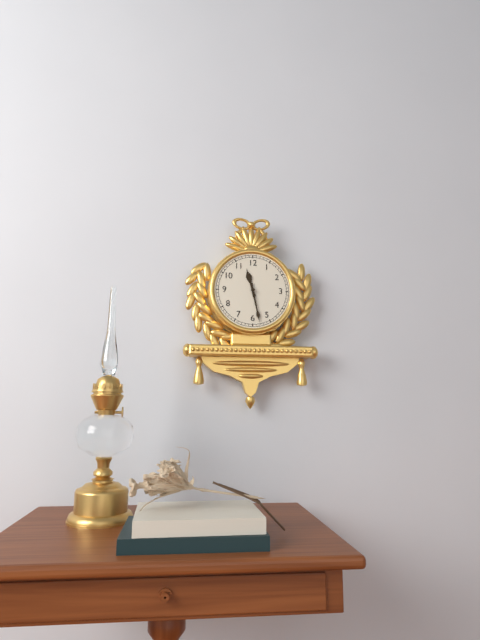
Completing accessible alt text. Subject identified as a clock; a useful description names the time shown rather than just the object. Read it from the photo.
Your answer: 11:28
